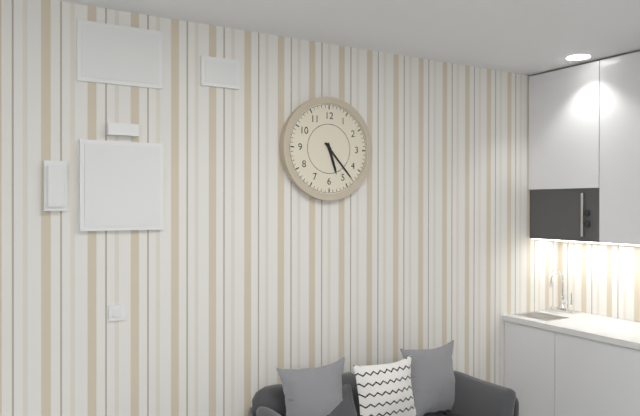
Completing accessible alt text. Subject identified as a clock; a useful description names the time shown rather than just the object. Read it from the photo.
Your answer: 5:23
